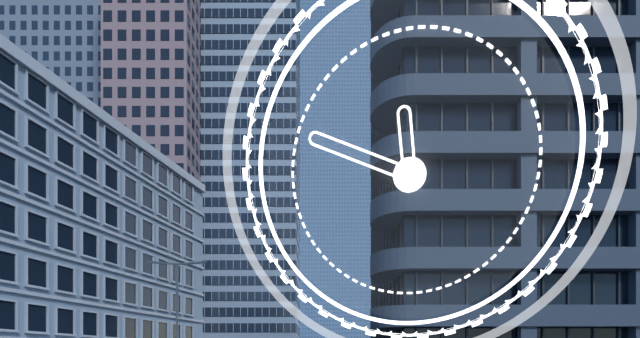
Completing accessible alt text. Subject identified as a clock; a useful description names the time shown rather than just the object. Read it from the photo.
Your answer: 11:49
